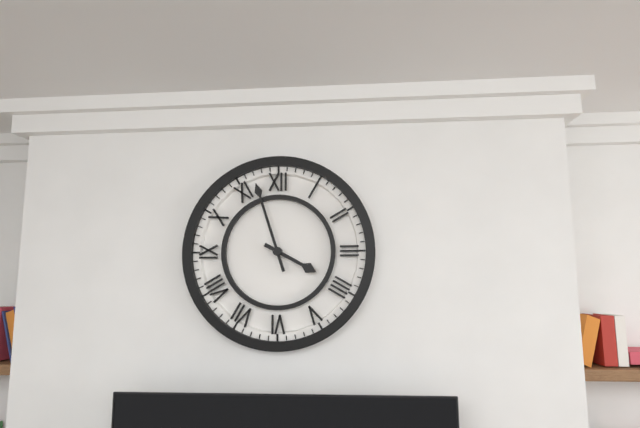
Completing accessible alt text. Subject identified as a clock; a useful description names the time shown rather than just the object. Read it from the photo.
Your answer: 3:57
